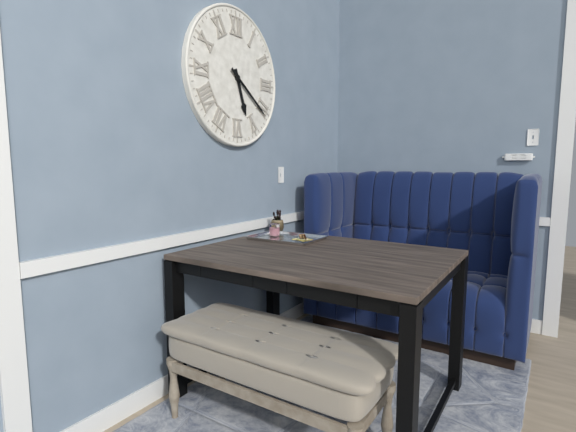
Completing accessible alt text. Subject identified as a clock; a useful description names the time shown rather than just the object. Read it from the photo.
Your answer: 5:21
